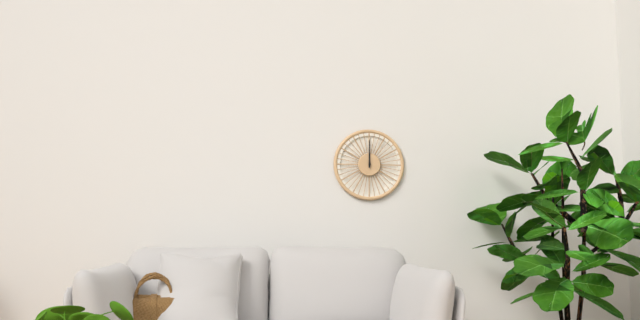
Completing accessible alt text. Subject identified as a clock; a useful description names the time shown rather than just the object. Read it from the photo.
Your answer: 12:00
